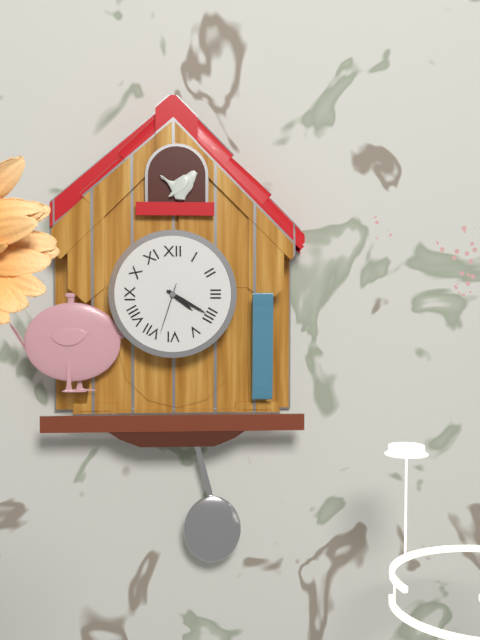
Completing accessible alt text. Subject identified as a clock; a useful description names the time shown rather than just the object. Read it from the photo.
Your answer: 4:20:33
